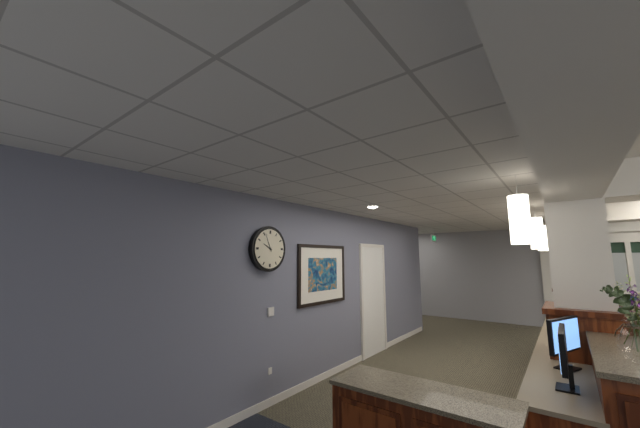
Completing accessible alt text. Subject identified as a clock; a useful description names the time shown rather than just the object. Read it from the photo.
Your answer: 9:56
